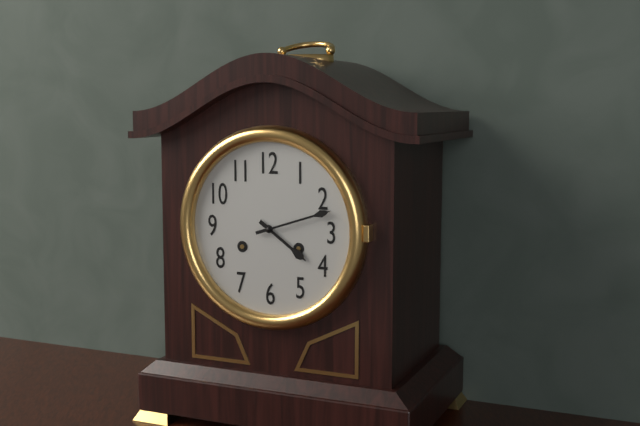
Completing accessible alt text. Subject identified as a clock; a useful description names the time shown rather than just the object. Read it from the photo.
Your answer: 4:12
